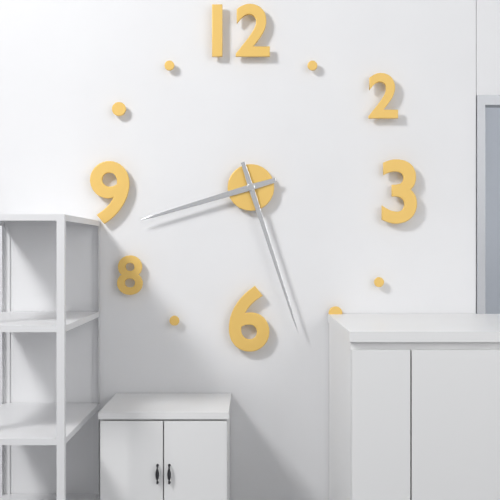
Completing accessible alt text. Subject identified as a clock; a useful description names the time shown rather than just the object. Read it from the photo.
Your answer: 8:27
